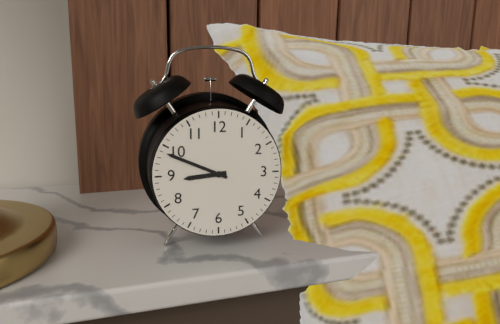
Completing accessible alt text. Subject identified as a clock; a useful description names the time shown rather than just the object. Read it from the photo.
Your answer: 8:49
